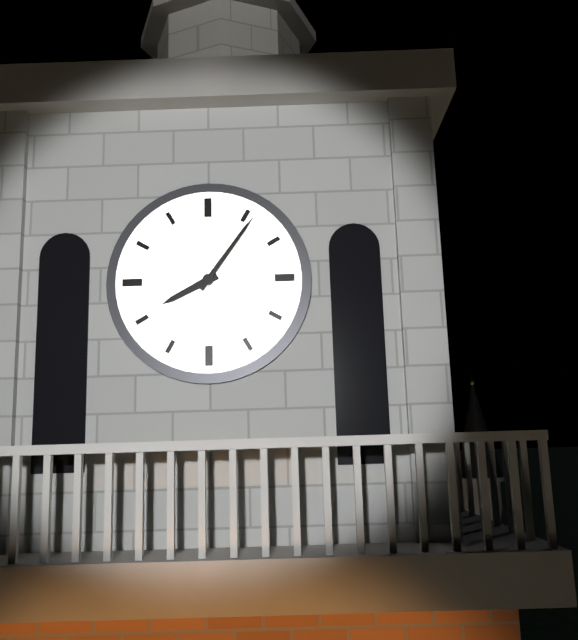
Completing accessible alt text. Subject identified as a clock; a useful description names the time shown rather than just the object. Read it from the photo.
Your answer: 8:06
